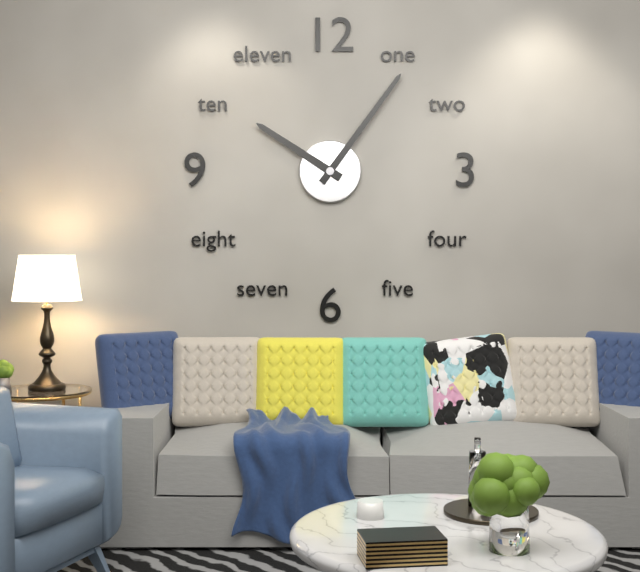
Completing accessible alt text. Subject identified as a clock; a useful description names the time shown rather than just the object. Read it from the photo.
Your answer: 10:06
